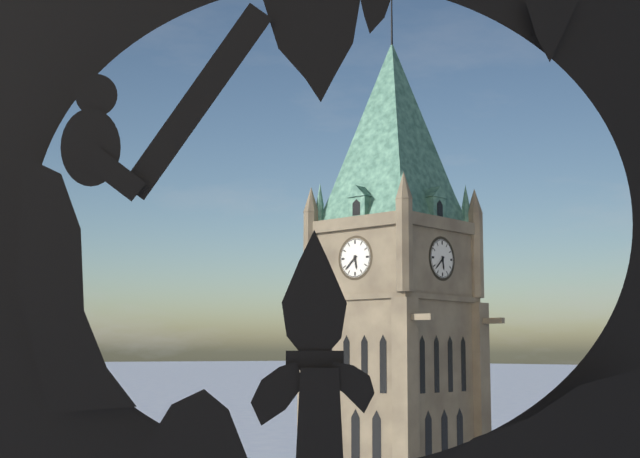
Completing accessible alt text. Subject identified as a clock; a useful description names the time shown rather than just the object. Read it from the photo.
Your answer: 5:38
